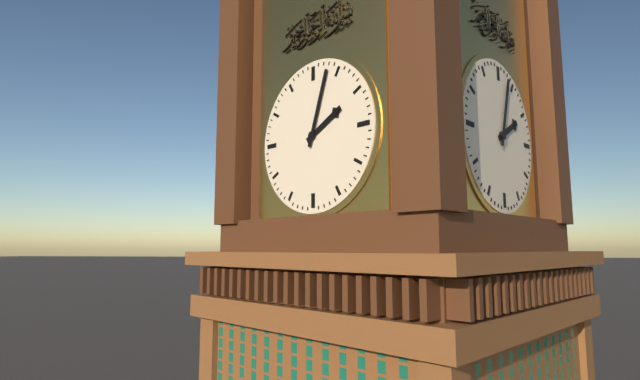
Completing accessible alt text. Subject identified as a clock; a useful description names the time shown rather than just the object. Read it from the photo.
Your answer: 2:03
